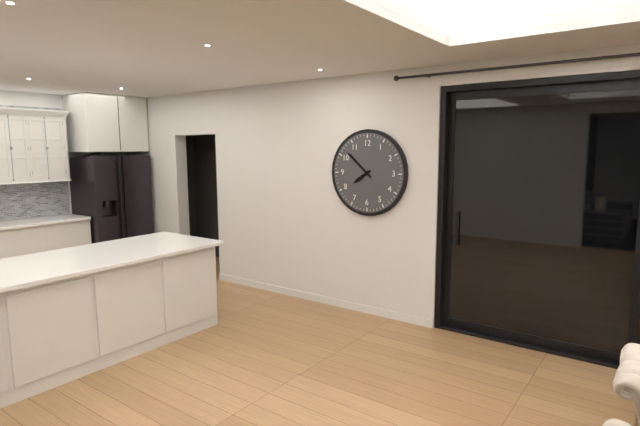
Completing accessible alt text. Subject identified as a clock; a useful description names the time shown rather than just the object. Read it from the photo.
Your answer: 7:52
